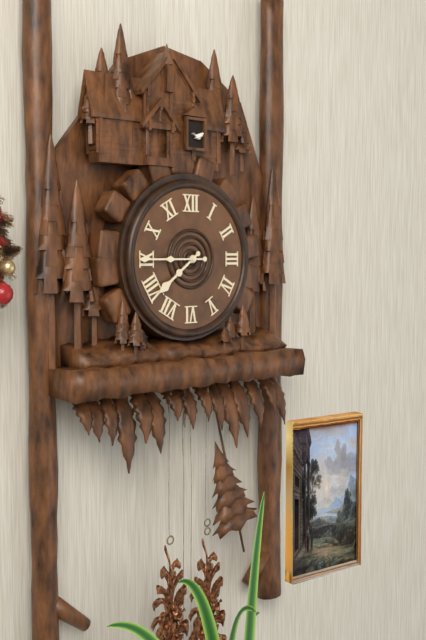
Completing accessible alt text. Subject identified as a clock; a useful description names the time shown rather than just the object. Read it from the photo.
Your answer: 7:45
